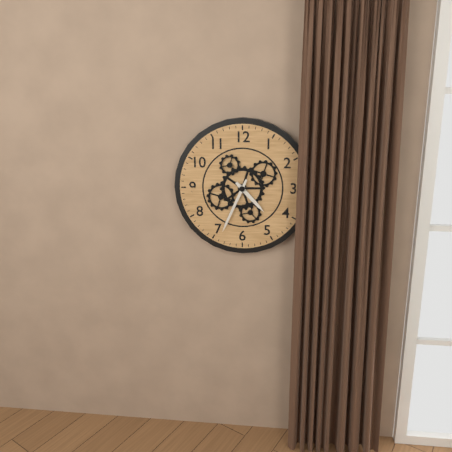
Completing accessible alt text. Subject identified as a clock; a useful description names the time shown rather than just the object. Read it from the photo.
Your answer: 4:34
